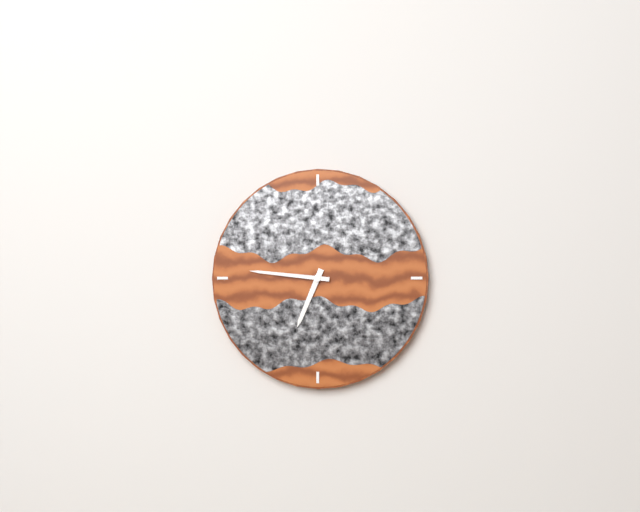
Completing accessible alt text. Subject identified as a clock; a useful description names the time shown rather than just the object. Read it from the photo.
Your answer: 6:46
